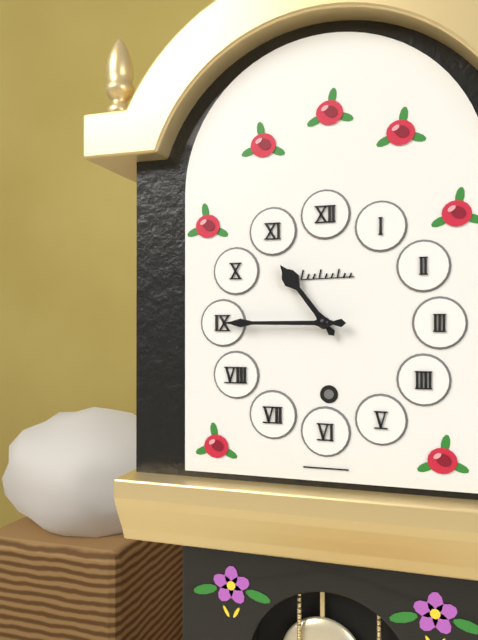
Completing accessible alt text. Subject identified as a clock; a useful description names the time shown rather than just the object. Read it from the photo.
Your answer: 10:45
